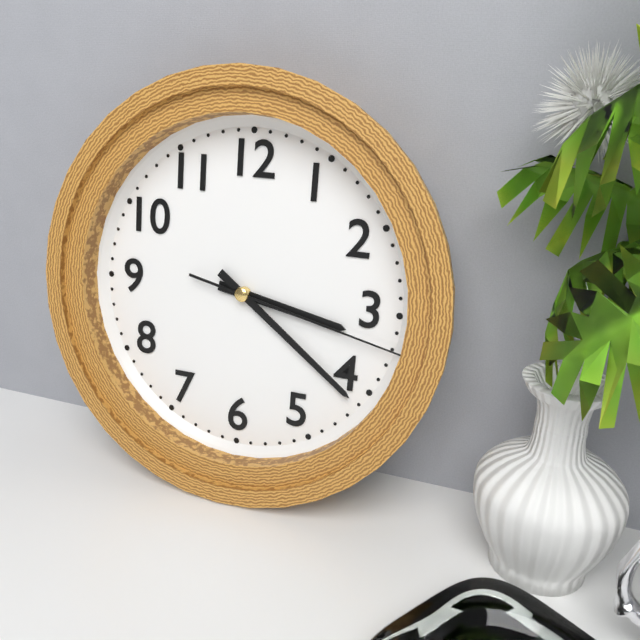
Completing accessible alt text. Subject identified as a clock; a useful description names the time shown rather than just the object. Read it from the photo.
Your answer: 3:21:17
